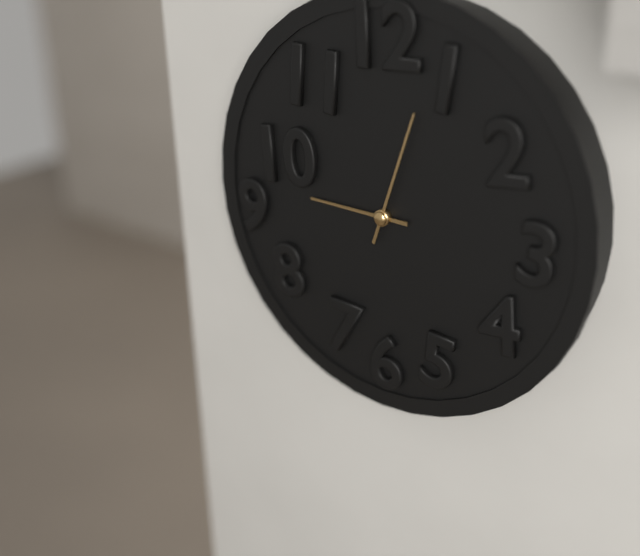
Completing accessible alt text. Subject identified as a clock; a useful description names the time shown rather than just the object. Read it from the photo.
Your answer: 9:03
